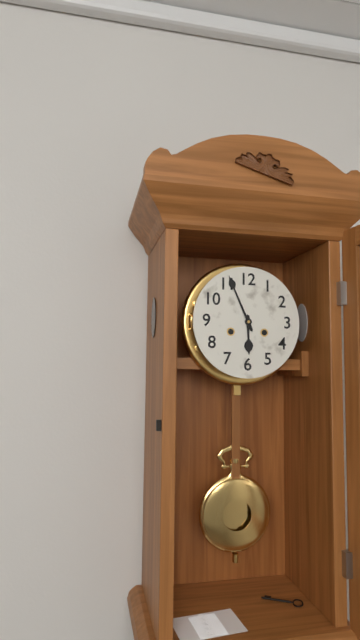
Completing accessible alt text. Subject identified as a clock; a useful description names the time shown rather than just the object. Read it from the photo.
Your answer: 5:56
